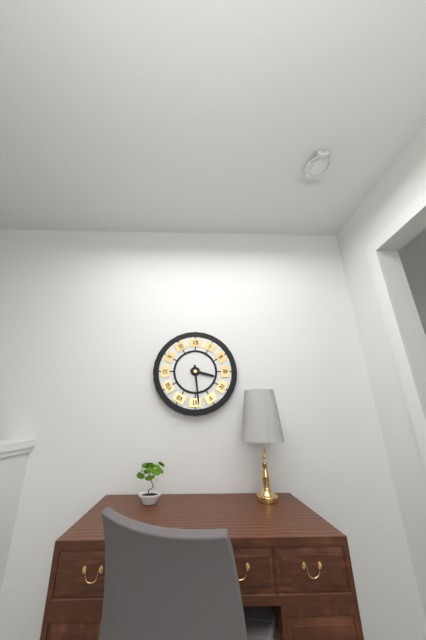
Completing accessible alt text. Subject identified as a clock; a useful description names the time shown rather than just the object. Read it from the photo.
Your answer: 3:29
